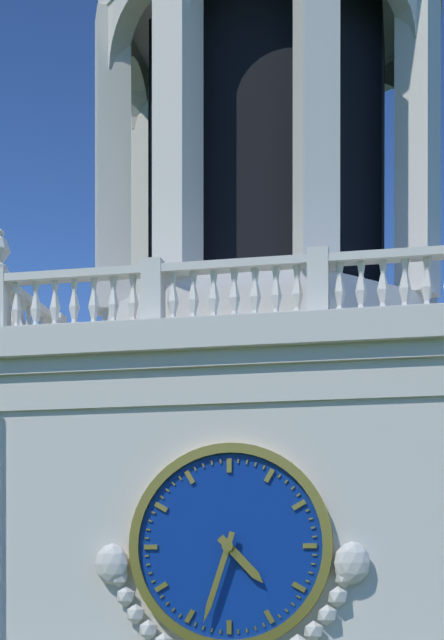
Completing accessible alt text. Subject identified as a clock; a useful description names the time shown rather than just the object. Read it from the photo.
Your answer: 4:33
